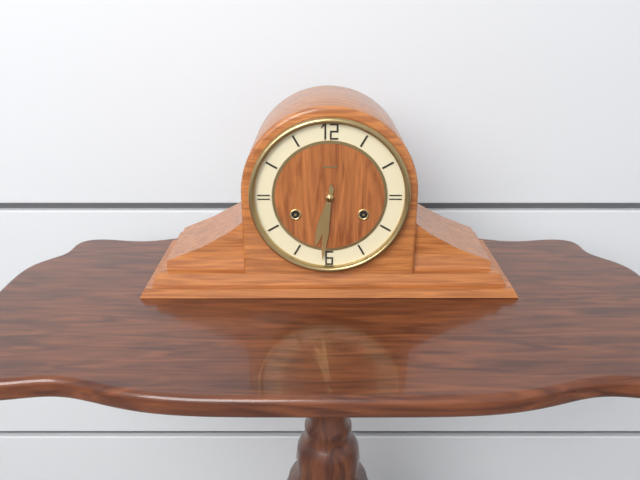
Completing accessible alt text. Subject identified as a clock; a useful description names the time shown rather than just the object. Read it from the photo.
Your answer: 6:31
